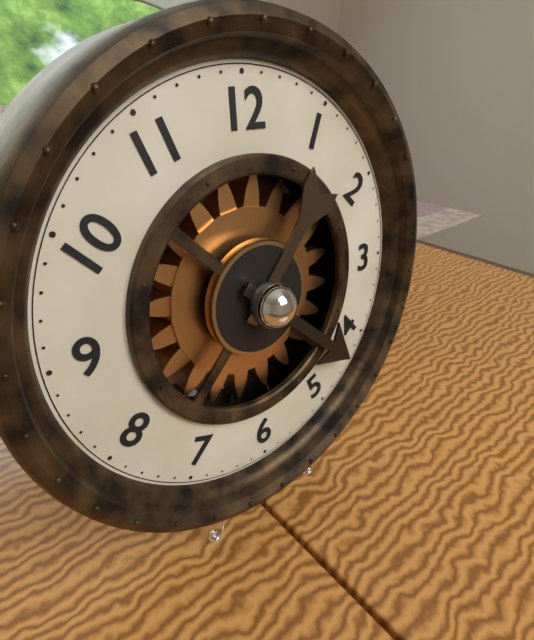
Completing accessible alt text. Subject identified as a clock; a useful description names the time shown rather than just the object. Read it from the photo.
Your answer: 1:22
